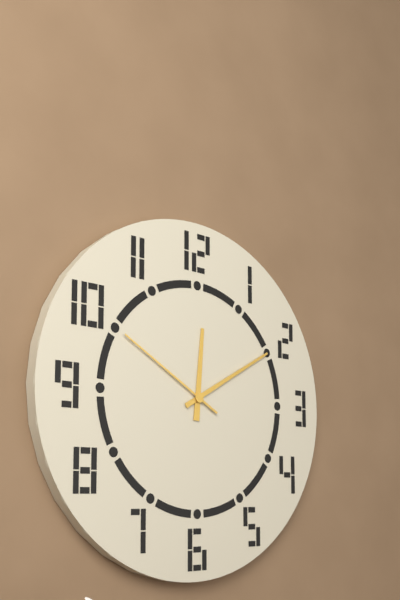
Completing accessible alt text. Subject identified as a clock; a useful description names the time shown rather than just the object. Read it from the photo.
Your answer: 12:10:50
